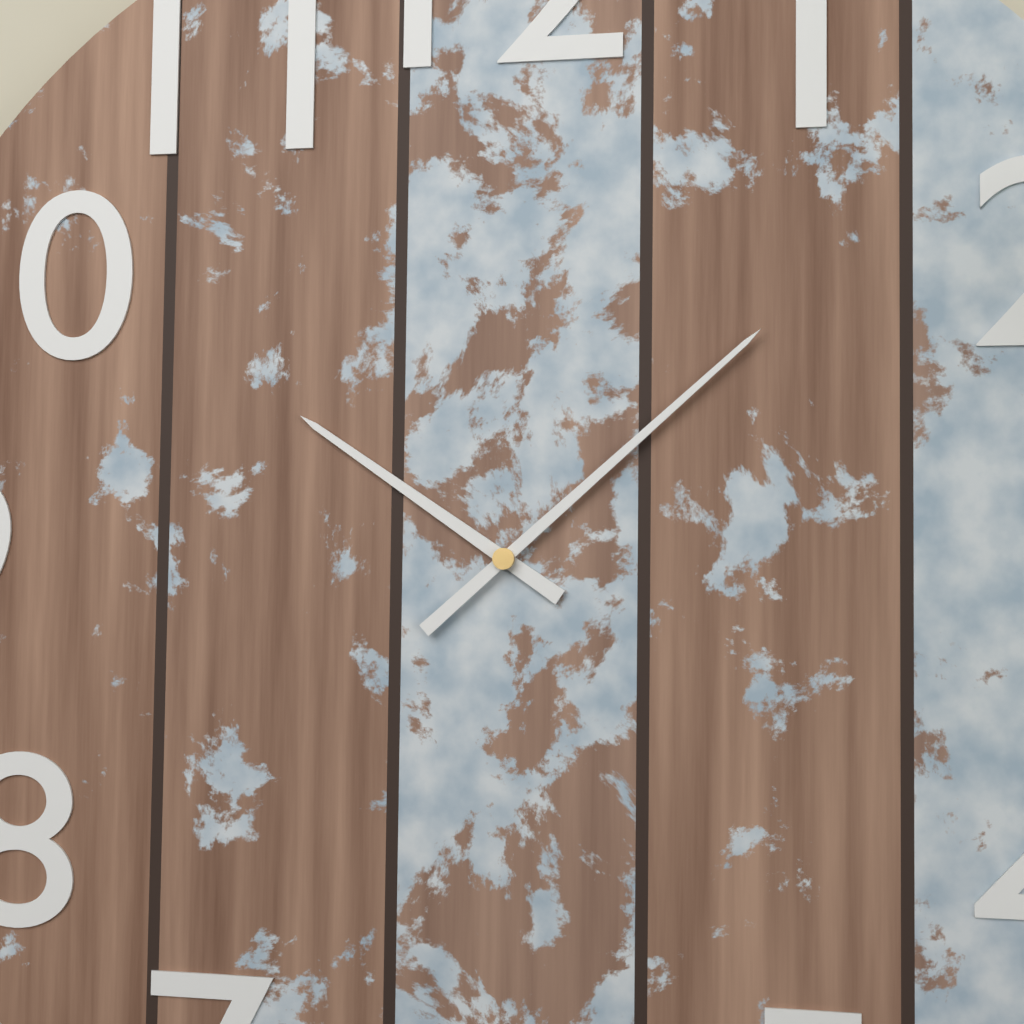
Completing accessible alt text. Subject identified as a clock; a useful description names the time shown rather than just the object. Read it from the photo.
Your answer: 10:08
